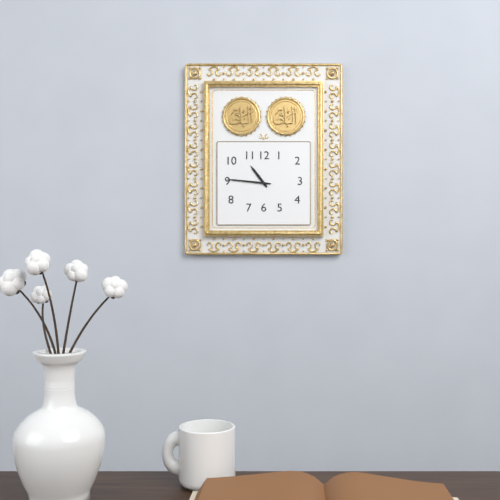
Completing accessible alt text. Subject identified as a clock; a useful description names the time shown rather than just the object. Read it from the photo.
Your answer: 10:46
